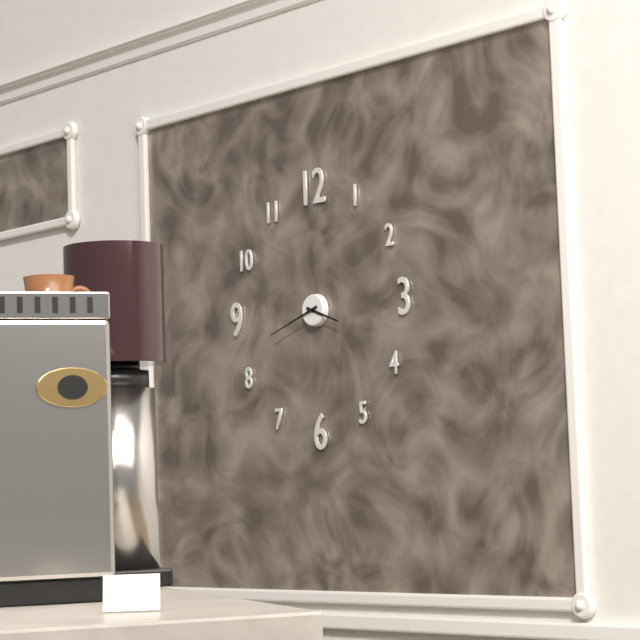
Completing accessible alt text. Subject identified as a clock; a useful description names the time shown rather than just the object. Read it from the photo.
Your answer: 3:42
